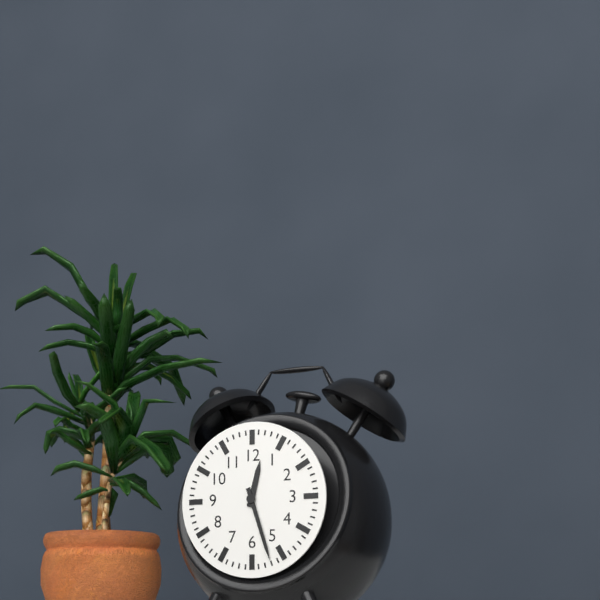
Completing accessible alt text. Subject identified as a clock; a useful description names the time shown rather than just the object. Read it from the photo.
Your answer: 12:27
